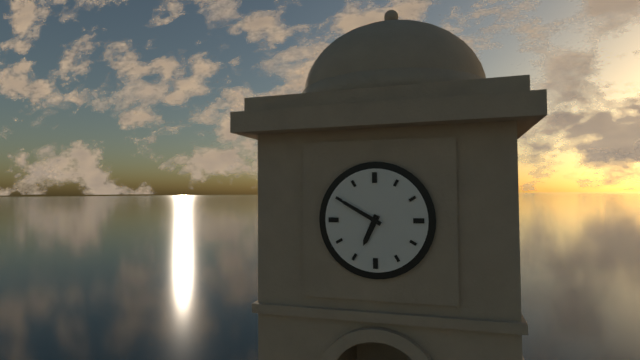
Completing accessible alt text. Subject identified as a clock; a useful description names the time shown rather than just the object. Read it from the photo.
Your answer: 6:50
